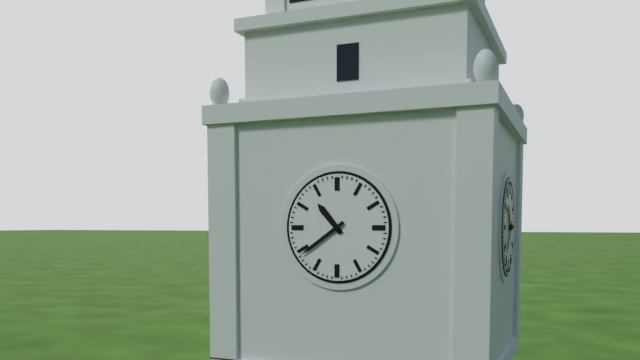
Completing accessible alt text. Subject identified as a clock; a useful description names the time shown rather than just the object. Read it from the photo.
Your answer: 10:39
